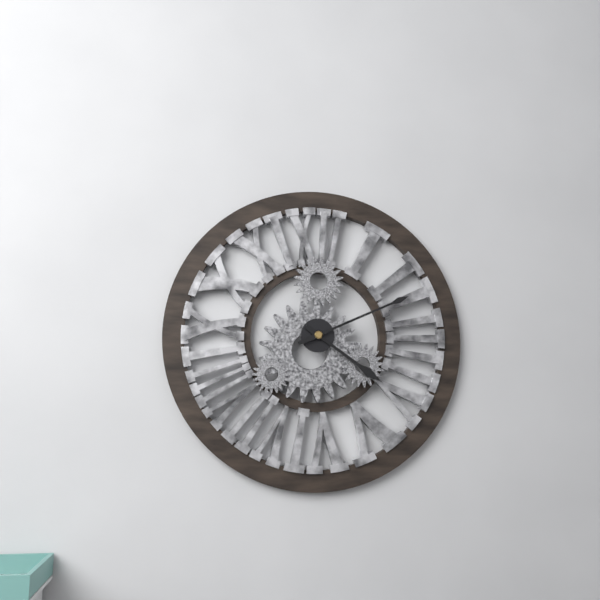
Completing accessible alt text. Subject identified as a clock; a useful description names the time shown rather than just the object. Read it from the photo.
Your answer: 4:11
